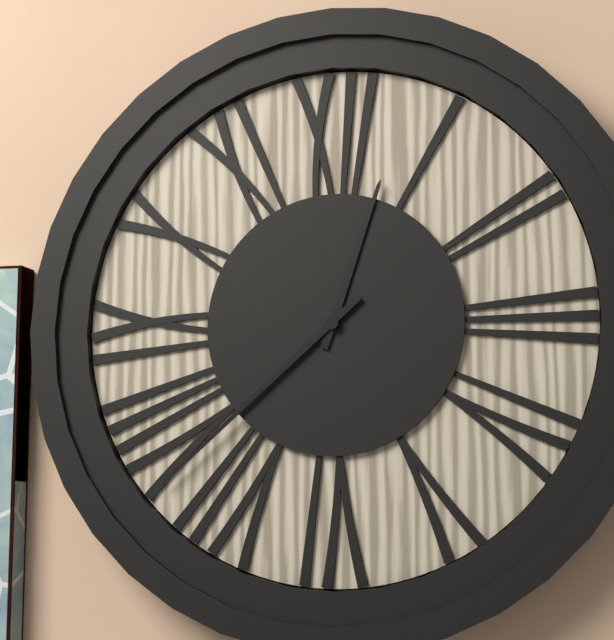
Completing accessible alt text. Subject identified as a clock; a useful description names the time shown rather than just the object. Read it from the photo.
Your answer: 12:38
